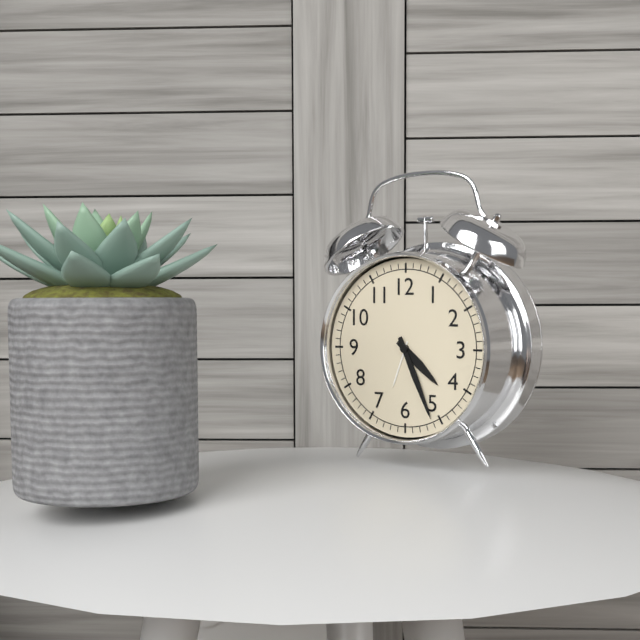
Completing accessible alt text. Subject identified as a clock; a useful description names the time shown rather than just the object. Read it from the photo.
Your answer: 4:26
